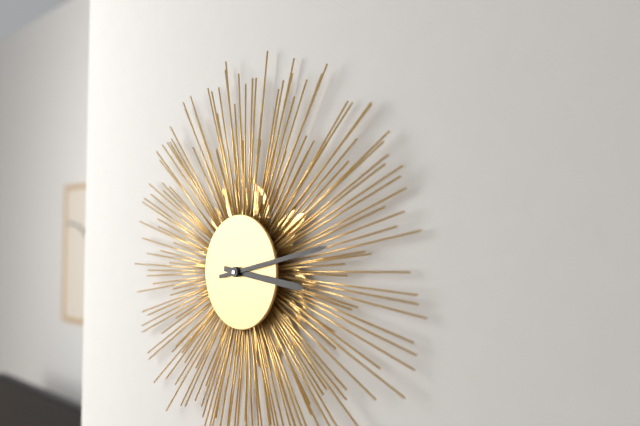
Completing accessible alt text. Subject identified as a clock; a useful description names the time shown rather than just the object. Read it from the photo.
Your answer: 3:13
